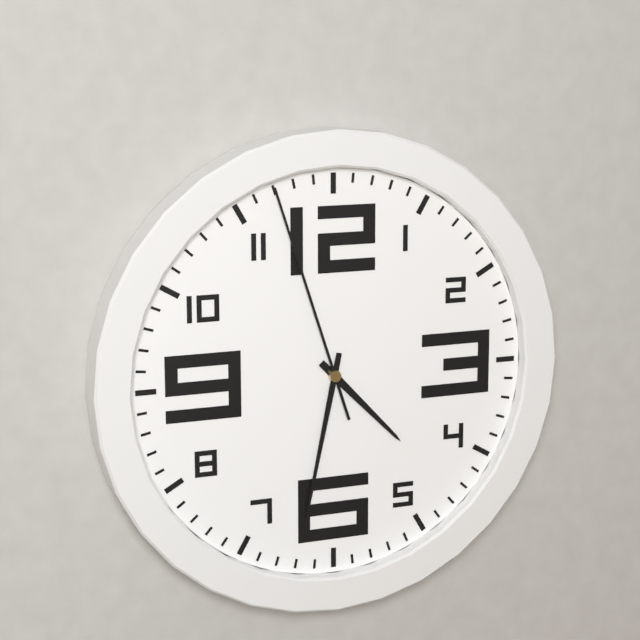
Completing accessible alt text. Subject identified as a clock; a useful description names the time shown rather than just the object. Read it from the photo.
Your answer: 4:32:57
